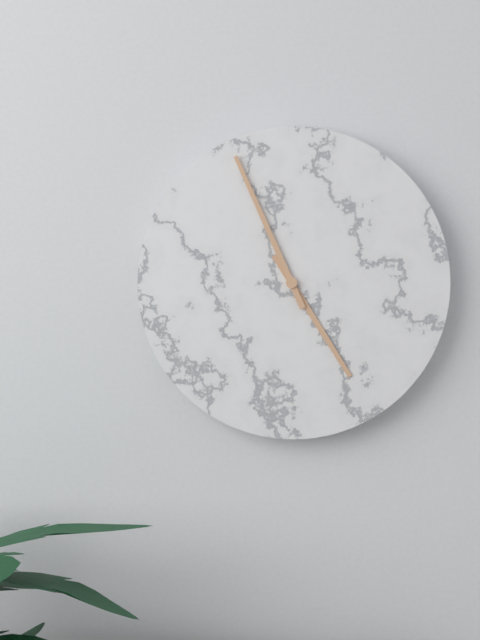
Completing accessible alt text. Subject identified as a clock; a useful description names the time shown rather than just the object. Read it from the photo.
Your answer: 4:56
